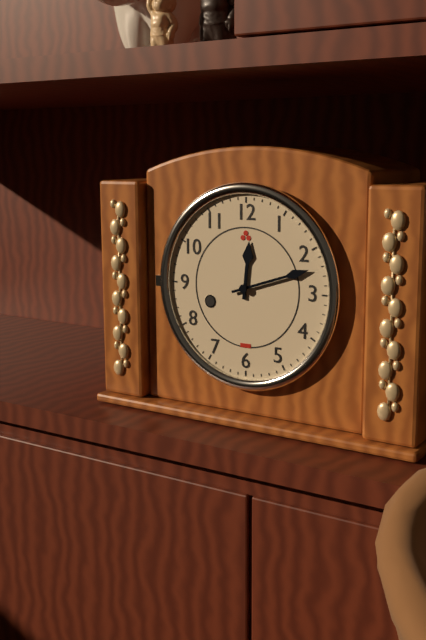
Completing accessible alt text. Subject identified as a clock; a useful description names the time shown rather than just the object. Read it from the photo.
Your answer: 12:12
